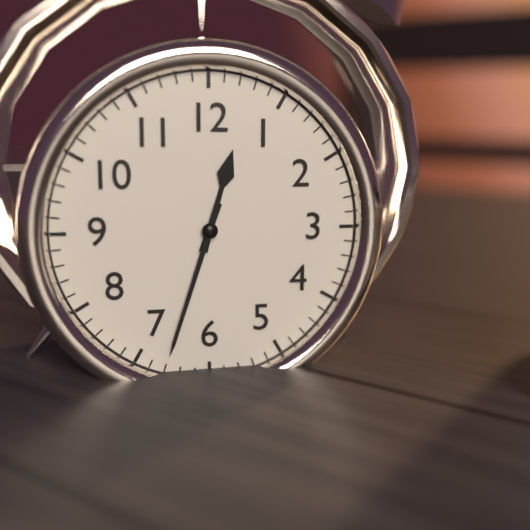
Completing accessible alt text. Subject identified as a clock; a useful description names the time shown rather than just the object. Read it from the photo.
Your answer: 12:33
